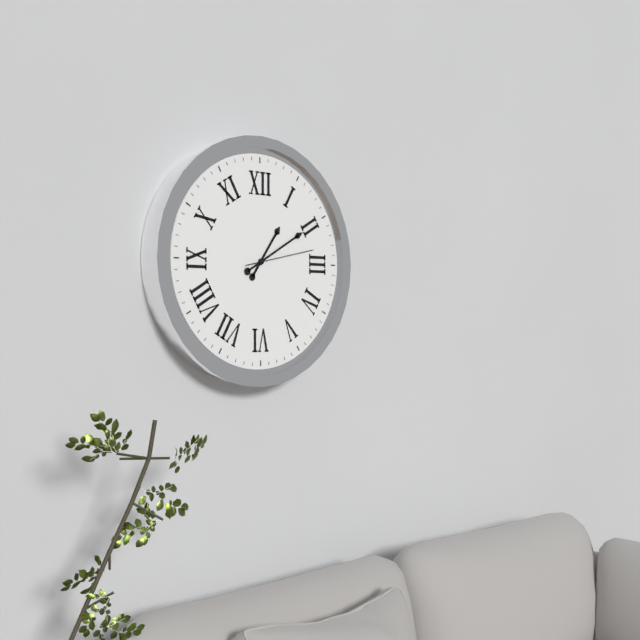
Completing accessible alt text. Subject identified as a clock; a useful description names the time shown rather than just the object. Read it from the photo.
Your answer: 1:10:13
